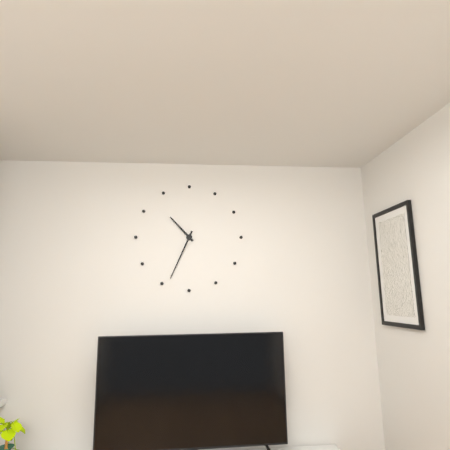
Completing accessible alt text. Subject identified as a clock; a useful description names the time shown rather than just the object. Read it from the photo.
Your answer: 10:34
